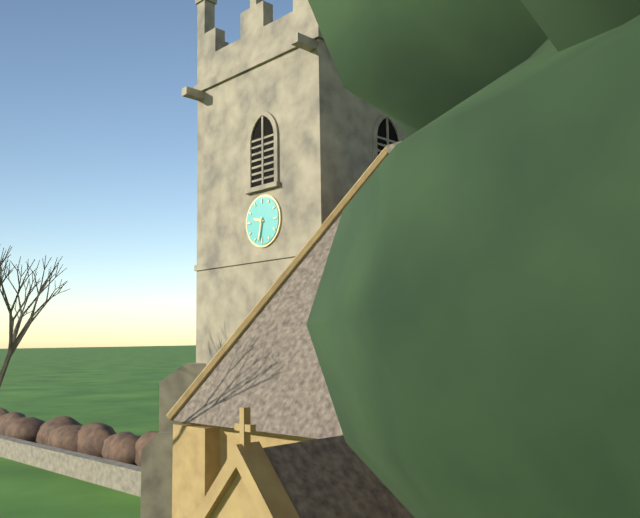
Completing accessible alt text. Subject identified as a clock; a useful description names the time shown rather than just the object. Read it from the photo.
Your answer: 9:32
